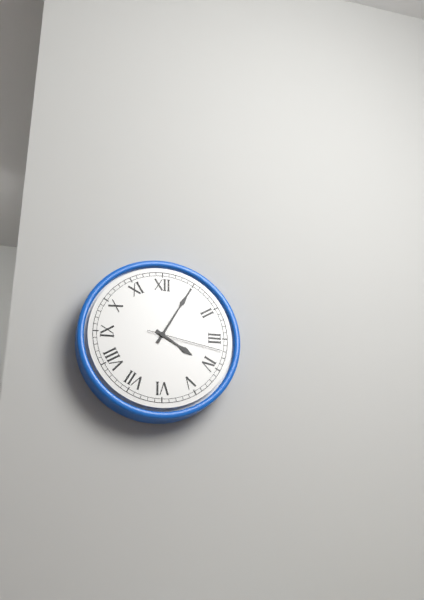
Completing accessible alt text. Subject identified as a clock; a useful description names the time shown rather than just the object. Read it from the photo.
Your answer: 4:05:17
